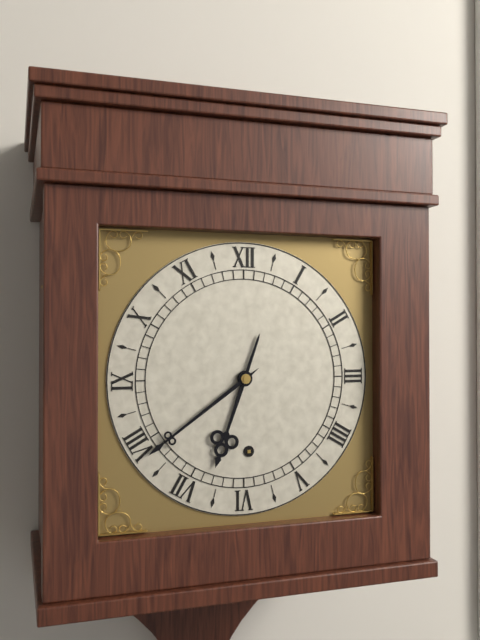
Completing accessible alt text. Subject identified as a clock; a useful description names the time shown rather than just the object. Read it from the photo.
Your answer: 6:39
